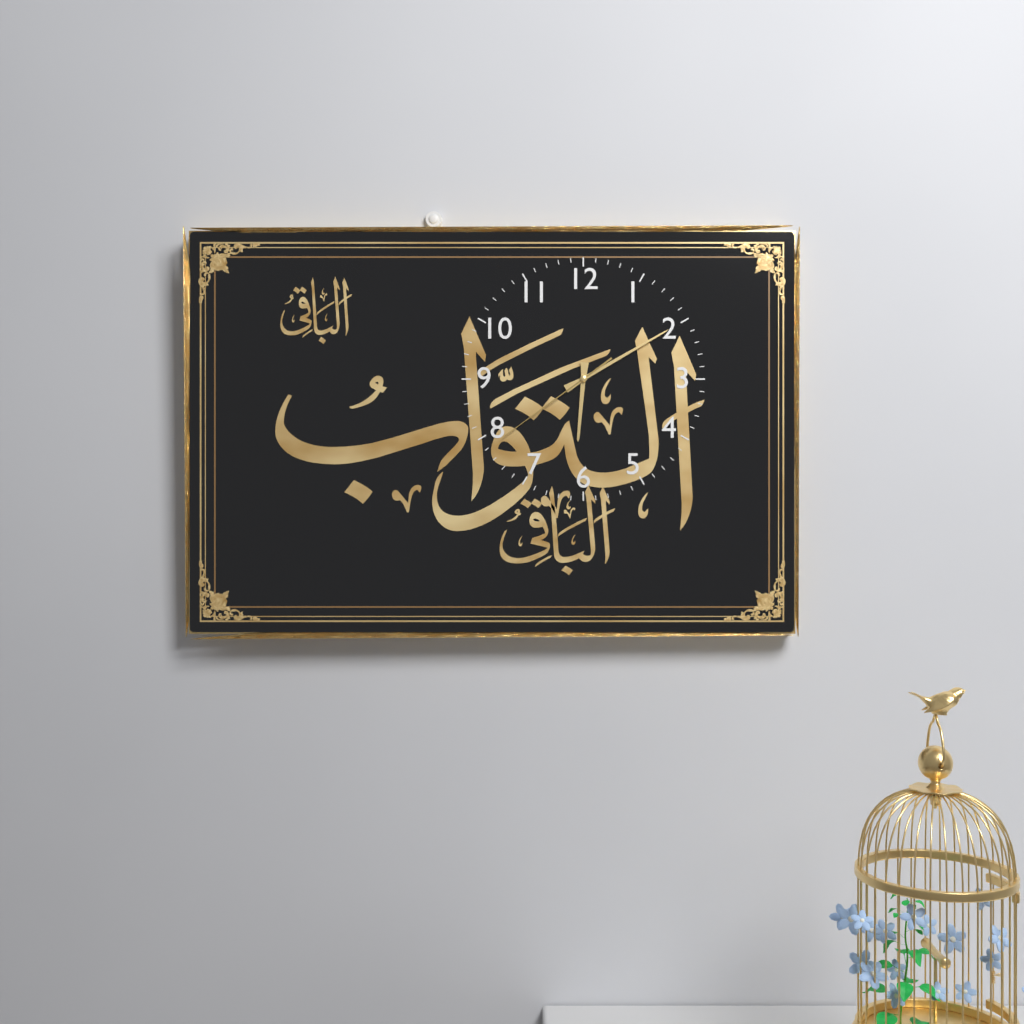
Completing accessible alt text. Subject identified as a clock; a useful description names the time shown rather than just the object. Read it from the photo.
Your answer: 6:10:39
